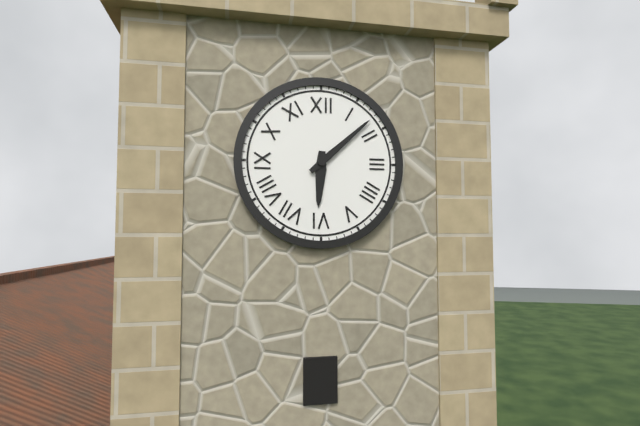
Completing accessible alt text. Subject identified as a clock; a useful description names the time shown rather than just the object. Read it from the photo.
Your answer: 6:08
